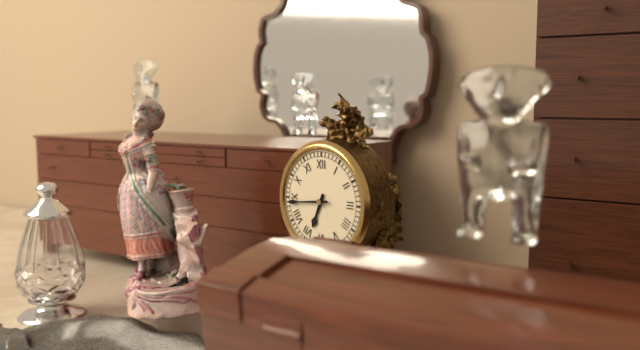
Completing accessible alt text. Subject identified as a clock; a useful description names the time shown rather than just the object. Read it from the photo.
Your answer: 6:44
